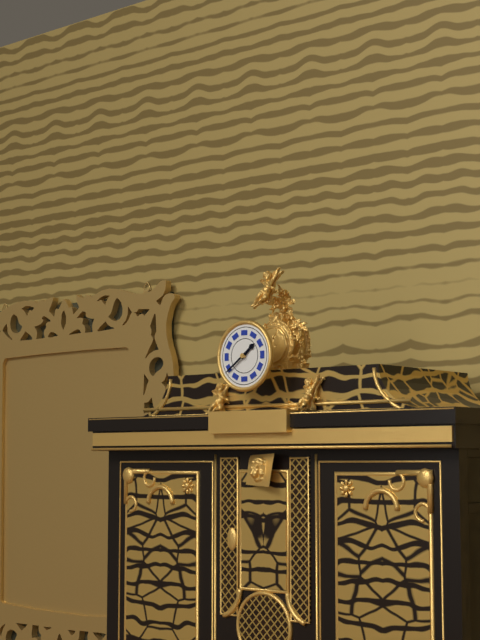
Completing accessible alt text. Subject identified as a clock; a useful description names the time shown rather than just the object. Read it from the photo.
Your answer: 1:39
